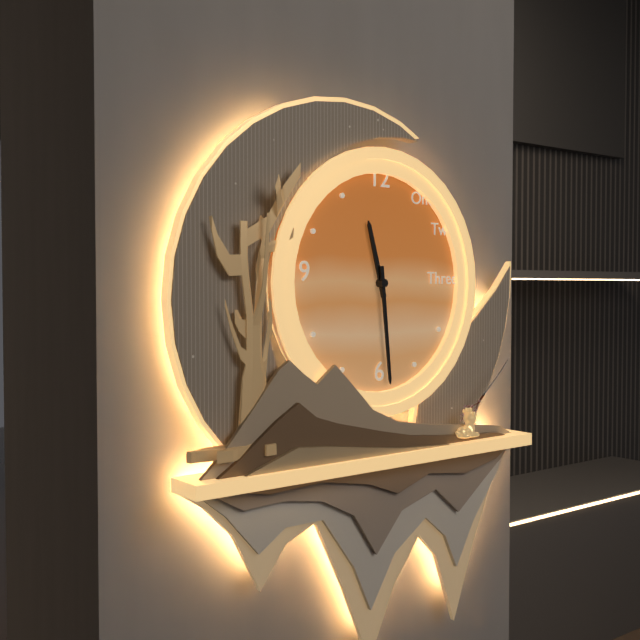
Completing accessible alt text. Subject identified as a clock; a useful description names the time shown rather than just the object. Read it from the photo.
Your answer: 11:29
